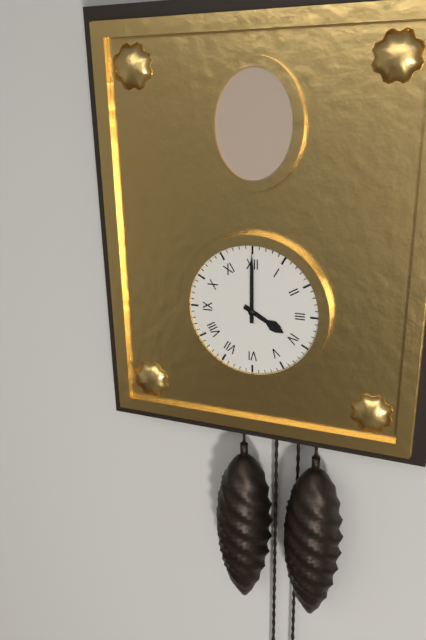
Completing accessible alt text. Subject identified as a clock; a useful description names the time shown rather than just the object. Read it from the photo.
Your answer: 4:00
